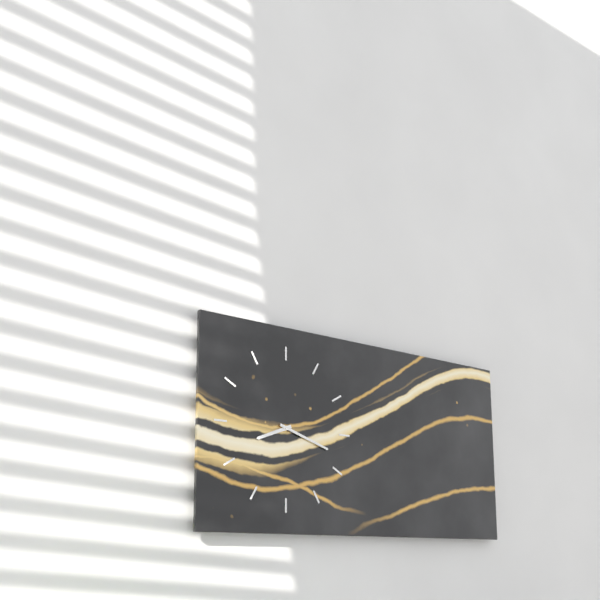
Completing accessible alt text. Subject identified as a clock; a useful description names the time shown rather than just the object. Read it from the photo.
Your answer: 8:18
